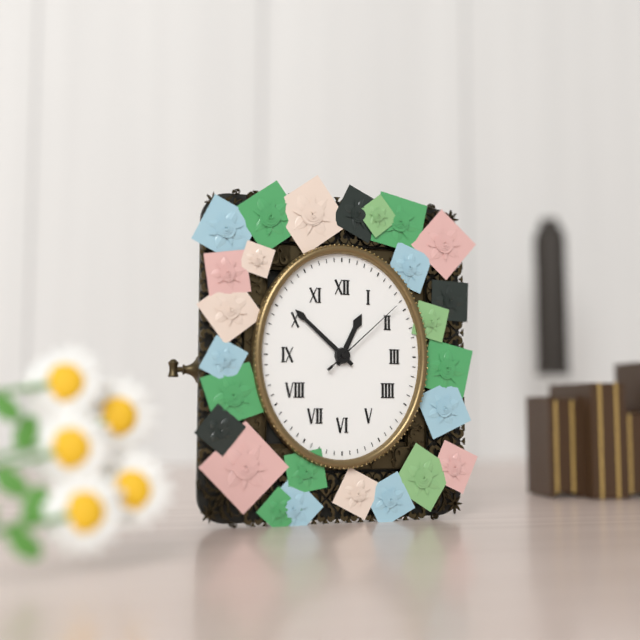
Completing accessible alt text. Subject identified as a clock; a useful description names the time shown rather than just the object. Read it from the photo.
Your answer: 12:52:08
